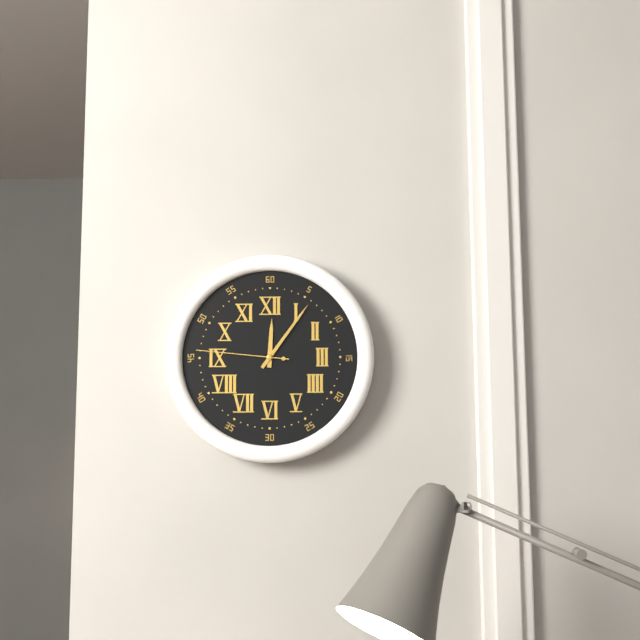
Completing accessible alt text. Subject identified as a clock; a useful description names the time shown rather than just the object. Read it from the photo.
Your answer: 12:06:46
